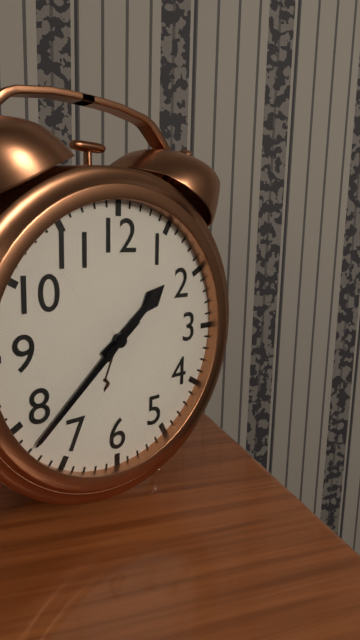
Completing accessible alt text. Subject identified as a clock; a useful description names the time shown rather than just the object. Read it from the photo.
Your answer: 1:38
